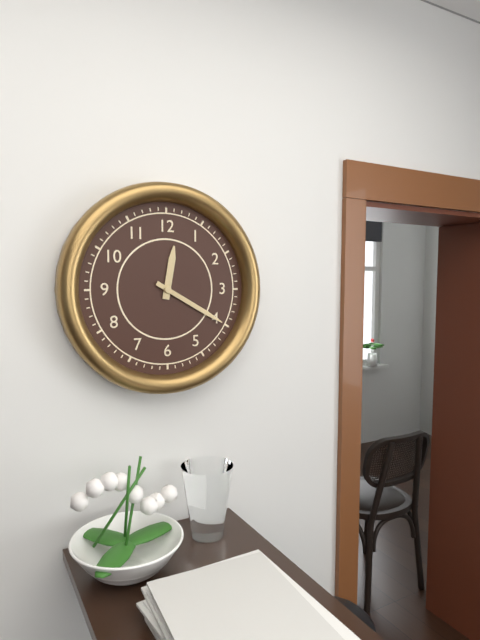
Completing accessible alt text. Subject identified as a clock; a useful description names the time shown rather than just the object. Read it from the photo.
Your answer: 12:20
